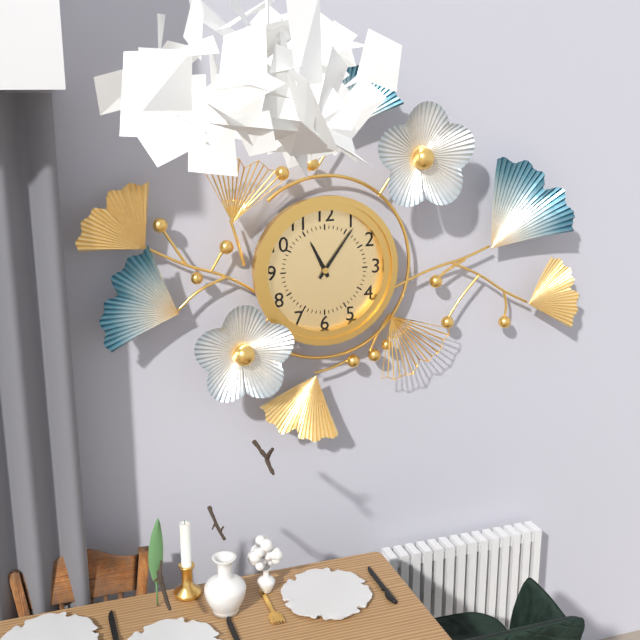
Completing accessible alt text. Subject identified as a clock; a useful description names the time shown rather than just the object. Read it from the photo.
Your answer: 11:06
